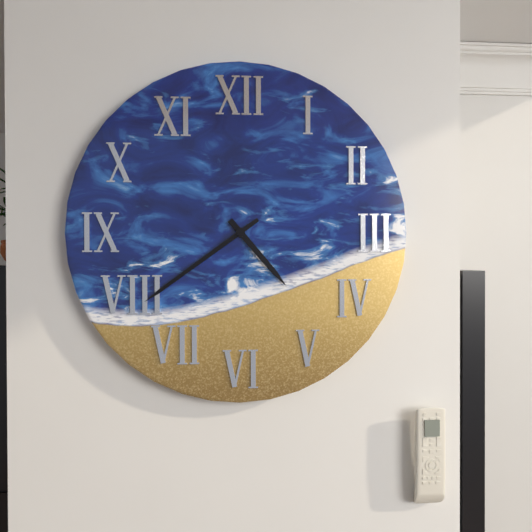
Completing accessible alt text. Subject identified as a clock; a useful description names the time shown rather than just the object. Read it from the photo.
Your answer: 4:39
